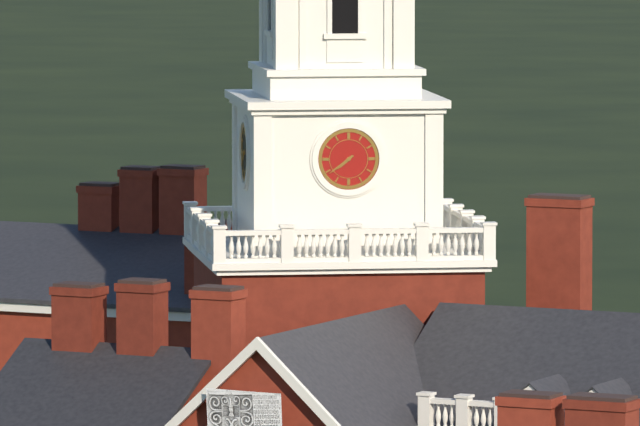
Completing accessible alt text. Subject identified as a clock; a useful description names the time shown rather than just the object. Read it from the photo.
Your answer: 7:39
